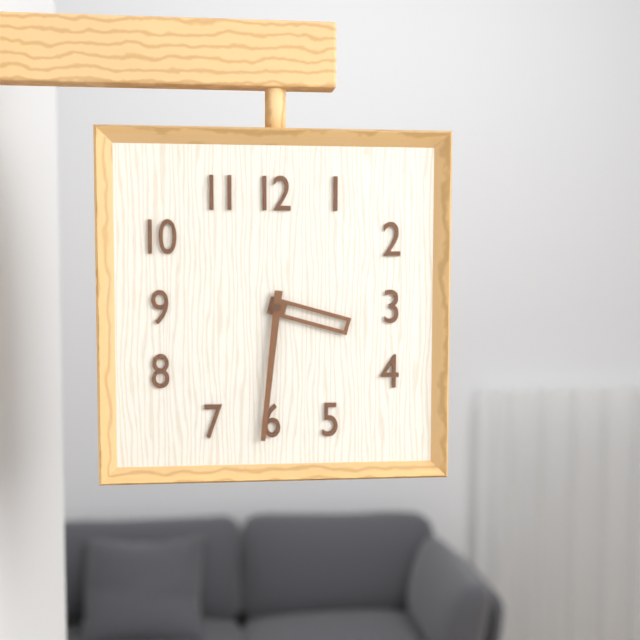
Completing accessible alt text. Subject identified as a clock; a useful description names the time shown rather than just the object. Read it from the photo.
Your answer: 3:31
